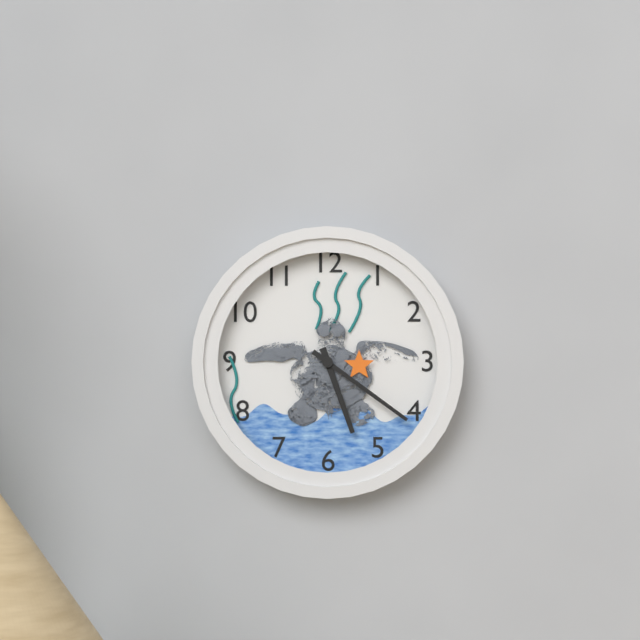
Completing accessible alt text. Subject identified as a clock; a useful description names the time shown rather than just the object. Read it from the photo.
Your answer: 5:21
